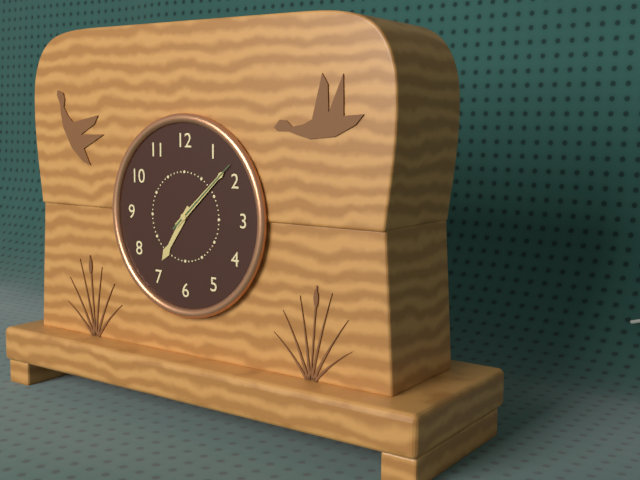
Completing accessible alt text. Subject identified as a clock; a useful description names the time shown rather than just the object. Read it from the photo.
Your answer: 7:08:08
